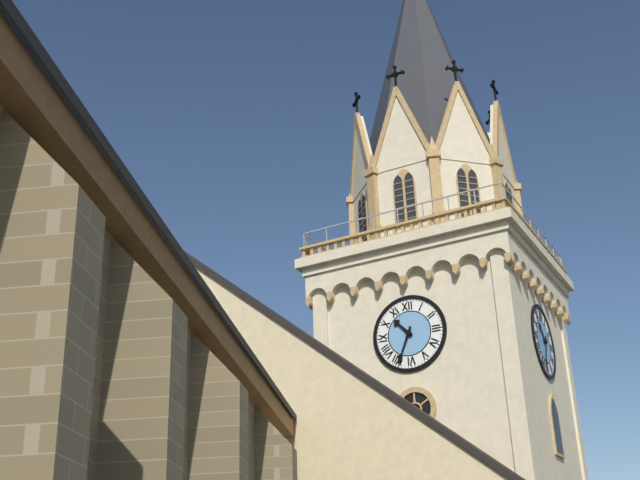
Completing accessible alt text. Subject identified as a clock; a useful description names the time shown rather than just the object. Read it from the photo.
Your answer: 10:34
